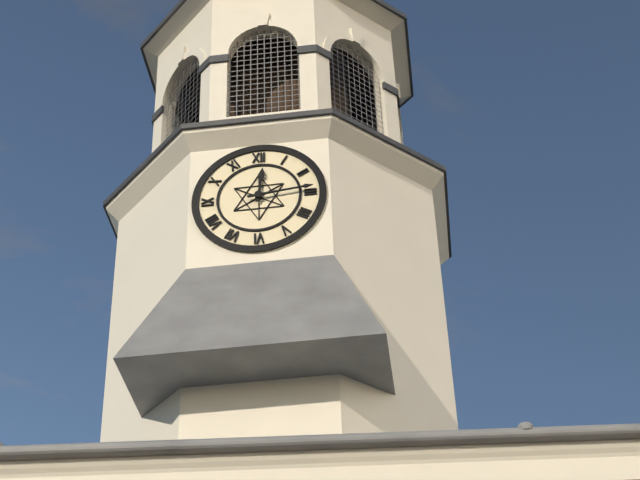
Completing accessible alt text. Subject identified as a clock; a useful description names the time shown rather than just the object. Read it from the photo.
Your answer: 12:14
